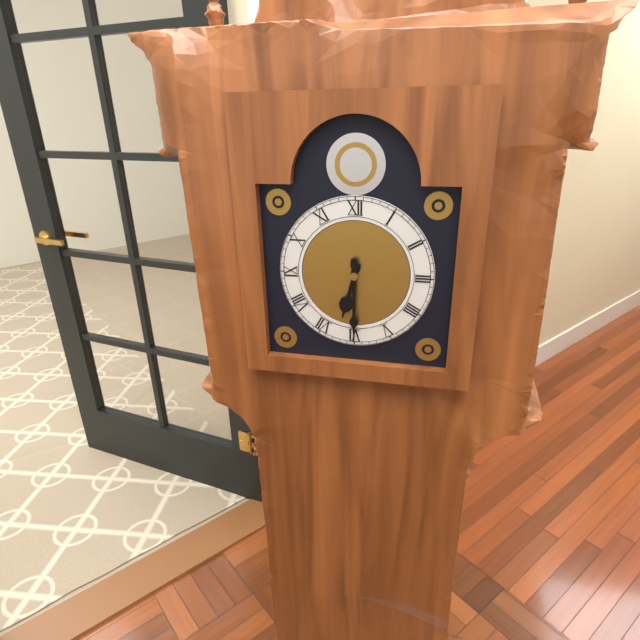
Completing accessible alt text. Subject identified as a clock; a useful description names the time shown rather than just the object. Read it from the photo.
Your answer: 6:30
